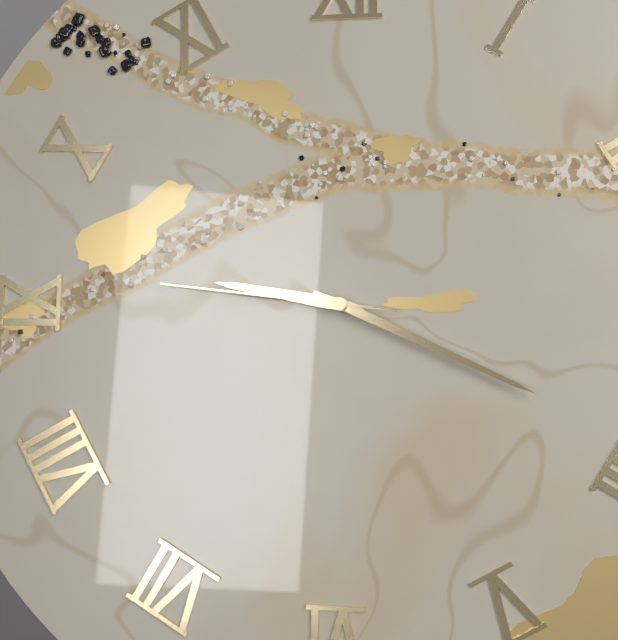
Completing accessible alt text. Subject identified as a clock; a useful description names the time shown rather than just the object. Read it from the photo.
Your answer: 9:19:46
